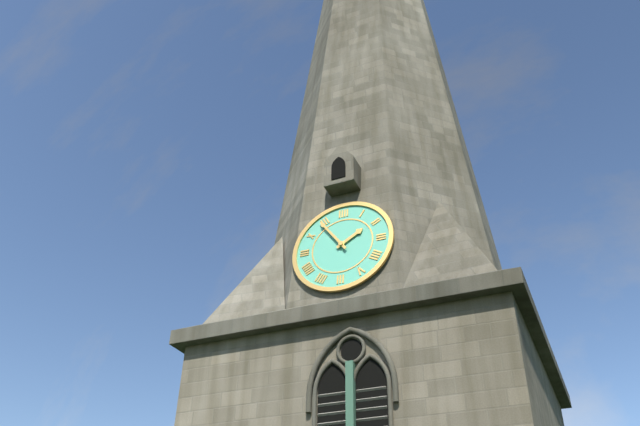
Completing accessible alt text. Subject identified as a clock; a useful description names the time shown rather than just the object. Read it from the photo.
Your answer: 1:54
